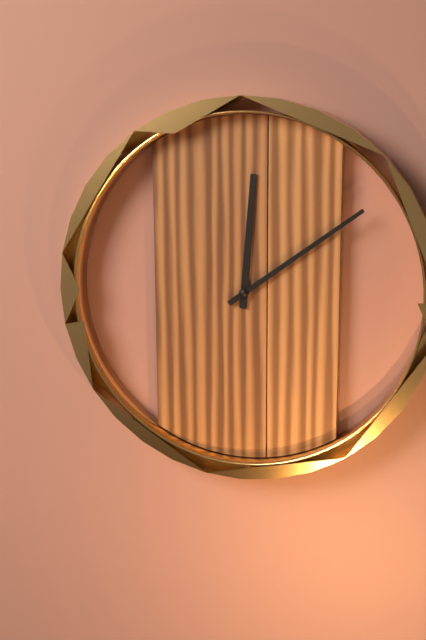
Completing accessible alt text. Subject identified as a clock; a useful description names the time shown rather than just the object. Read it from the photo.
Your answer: 12:09
